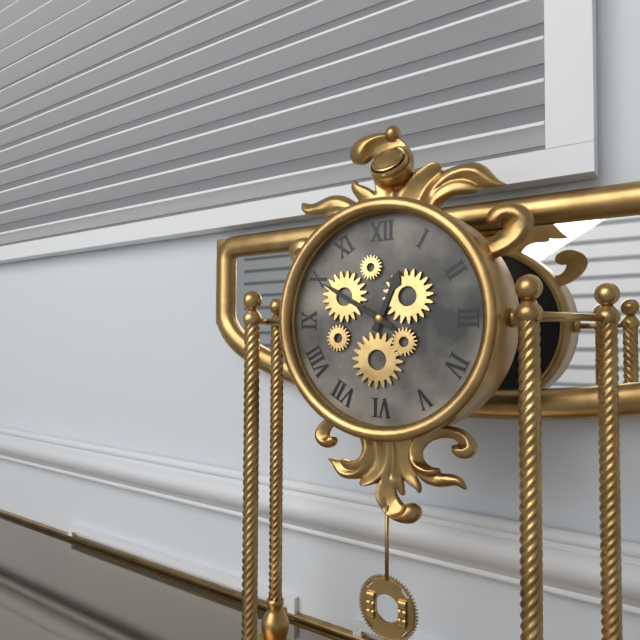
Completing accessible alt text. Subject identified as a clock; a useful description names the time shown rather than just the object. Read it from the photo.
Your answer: 12:50
